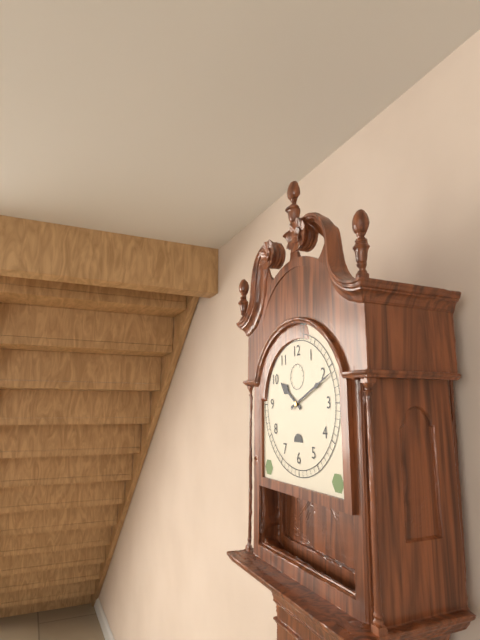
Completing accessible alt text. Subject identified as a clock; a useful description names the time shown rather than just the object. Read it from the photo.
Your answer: 10:11
